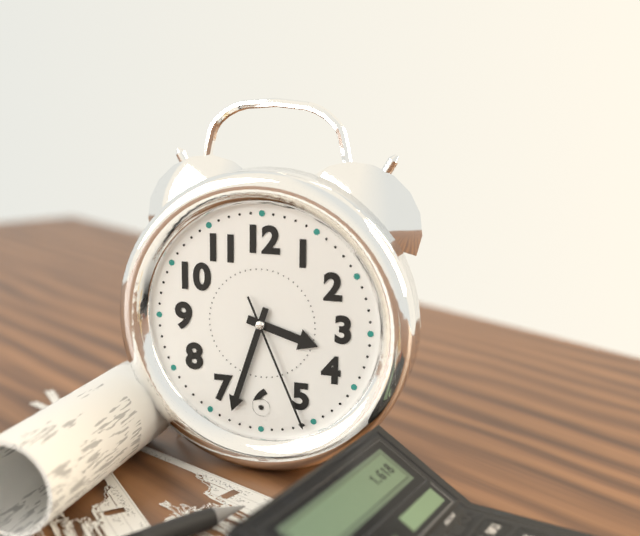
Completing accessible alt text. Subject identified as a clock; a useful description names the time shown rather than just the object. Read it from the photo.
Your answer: 3:33:26
